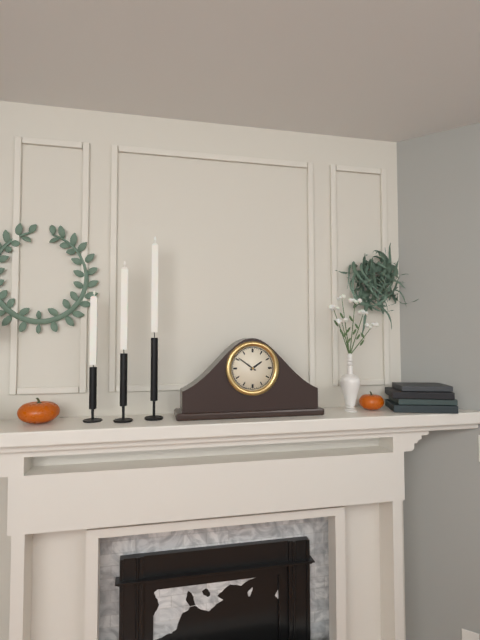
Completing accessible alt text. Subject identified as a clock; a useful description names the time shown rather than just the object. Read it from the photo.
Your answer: 1:51
